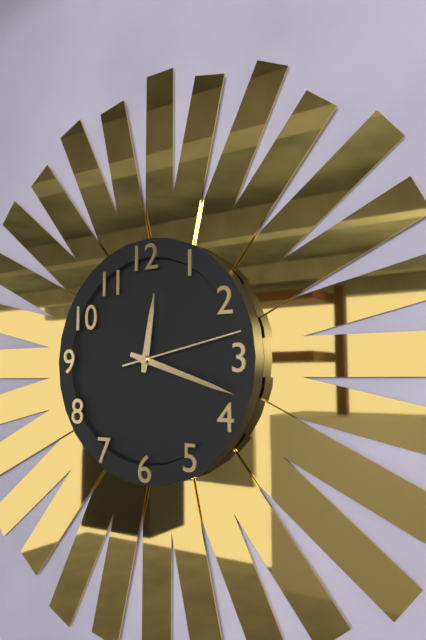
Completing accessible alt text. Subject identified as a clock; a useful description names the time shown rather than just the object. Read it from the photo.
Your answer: 12:18:13
